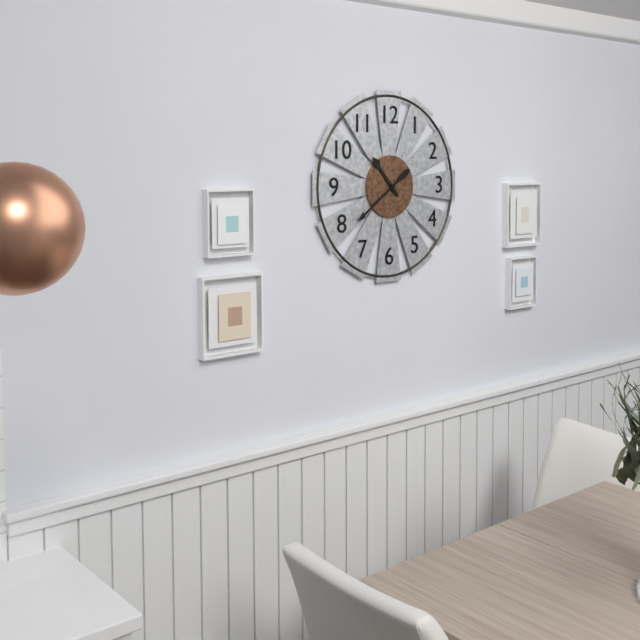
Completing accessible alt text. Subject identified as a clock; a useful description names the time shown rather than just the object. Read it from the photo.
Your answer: 10:39
